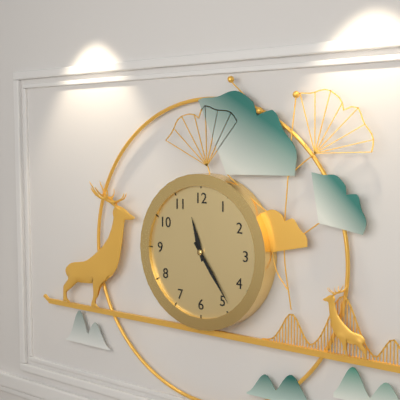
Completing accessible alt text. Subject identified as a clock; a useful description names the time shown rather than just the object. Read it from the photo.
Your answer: 11:24
